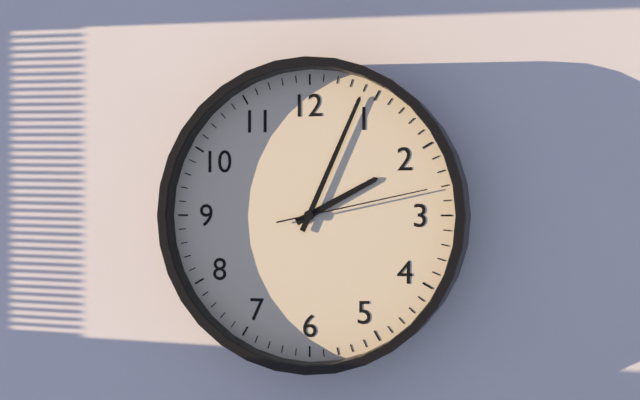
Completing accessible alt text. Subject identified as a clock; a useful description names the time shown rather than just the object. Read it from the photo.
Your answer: 2:04:13
